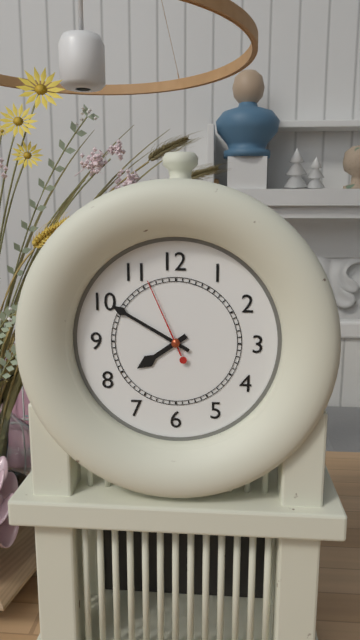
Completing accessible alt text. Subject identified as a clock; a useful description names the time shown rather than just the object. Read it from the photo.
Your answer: 7:50:56
